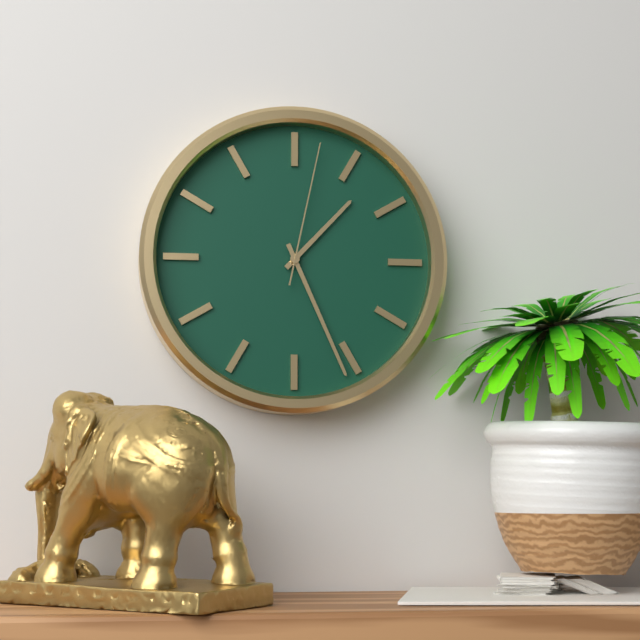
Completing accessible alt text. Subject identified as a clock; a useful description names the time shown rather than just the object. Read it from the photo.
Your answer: 1:26:02
